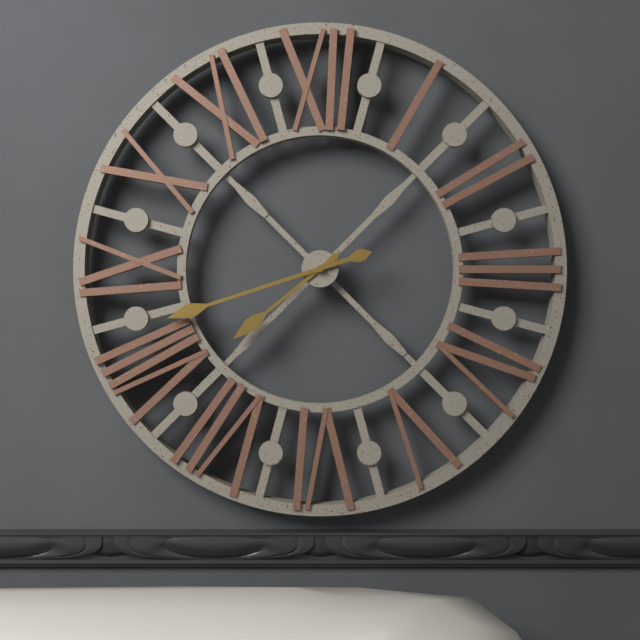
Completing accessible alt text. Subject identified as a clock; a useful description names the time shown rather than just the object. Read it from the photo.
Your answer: 7:42
